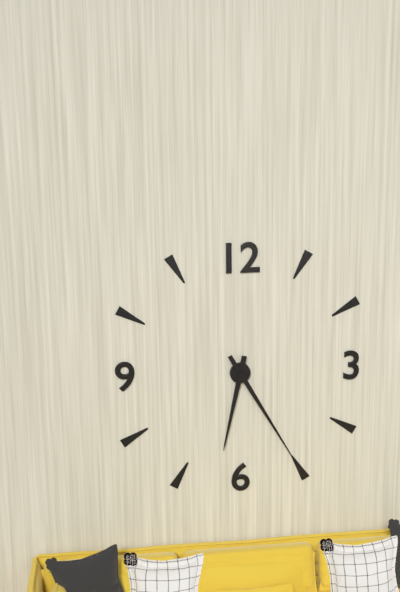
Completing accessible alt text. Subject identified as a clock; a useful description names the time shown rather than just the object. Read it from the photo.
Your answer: 6:25
